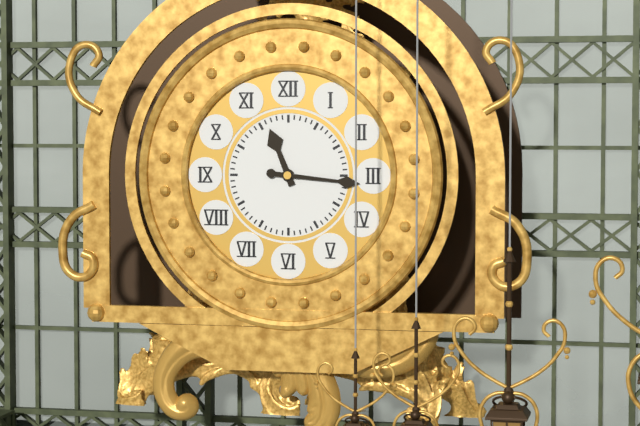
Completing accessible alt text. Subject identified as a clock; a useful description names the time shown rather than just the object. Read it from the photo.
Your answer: 11:16
